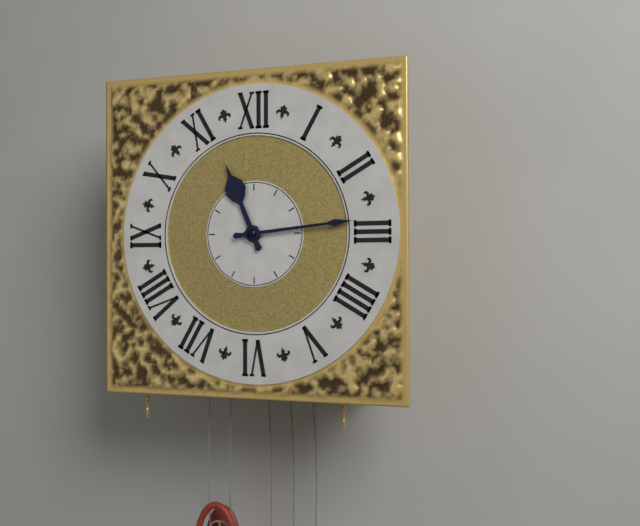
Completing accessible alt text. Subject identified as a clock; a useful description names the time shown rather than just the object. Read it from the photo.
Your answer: 11:14
